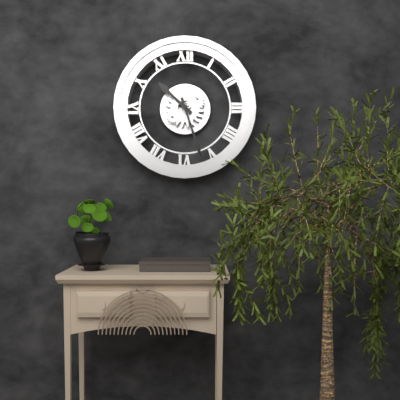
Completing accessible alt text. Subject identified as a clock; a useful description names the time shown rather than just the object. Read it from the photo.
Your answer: 10:27
